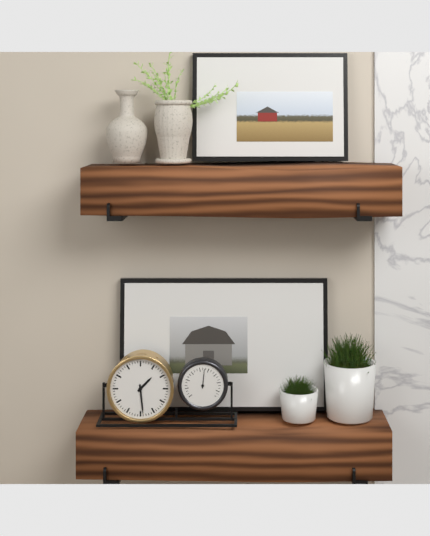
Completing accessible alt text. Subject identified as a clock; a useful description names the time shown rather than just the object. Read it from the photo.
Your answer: 1:29
